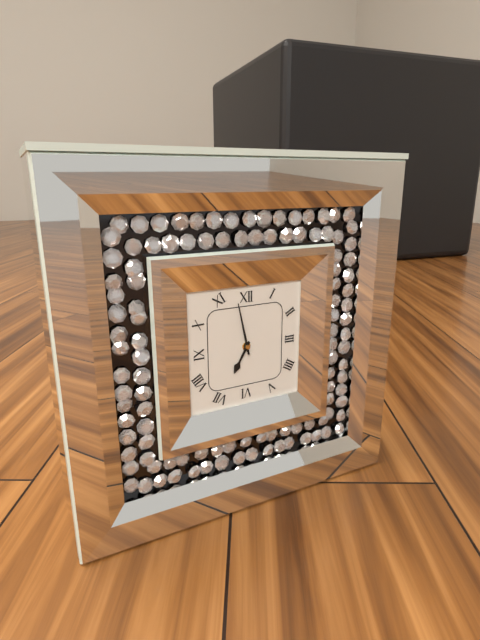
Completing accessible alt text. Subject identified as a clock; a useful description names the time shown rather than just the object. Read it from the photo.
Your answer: 6:58
